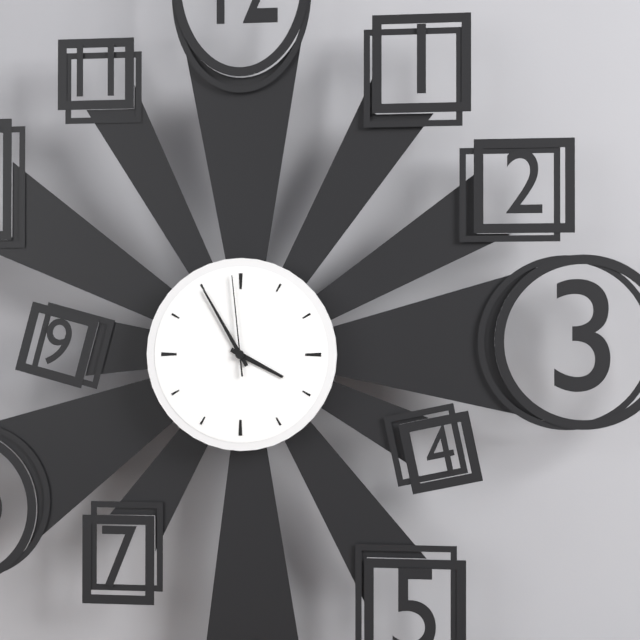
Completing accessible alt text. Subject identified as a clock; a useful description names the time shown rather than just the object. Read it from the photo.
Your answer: 3:55:59
